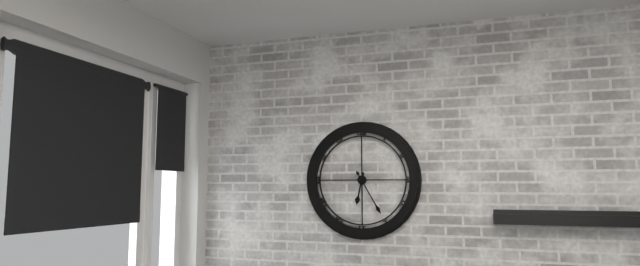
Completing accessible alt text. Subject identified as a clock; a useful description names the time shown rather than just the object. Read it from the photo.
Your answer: 6:25
